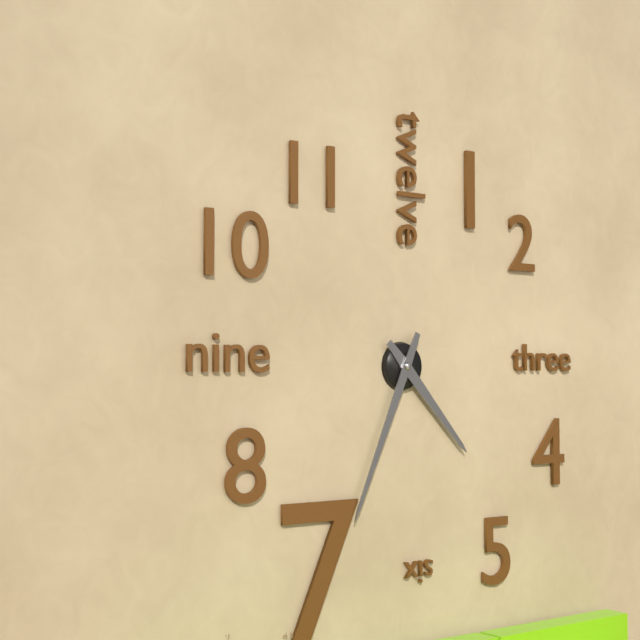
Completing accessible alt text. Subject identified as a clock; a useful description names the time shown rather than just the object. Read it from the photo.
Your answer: 4:34
